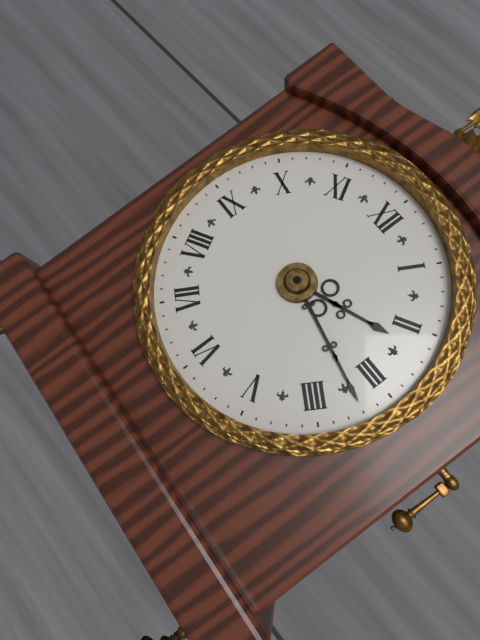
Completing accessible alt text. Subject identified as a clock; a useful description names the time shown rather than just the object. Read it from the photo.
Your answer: 2:17
